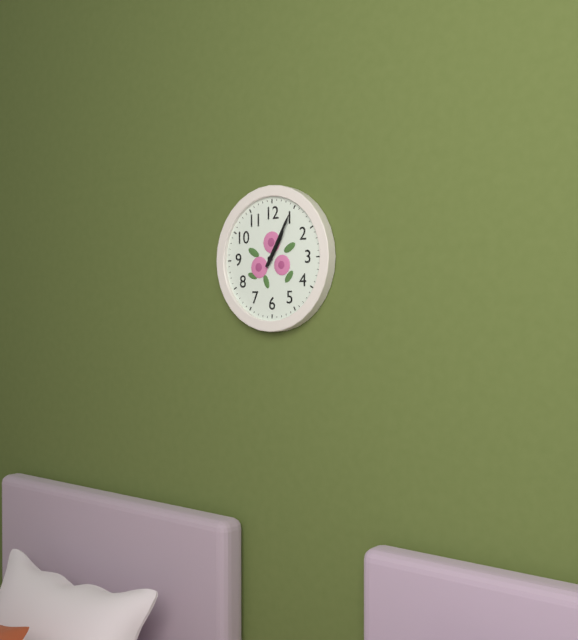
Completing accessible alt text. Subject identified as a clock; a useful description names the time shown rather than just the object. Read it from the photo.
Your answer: 1:05
